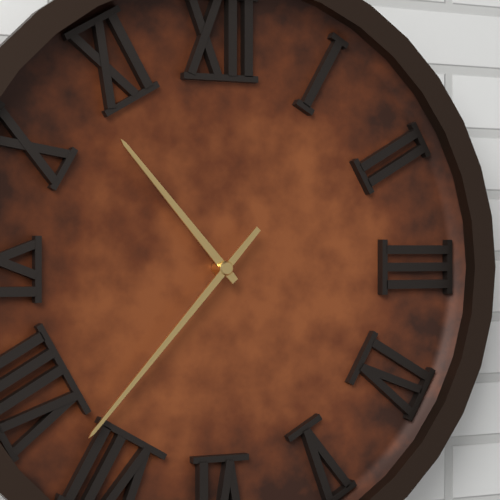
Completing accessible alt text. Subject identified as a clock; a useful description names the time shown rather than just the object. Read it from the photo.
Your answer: 10:37
